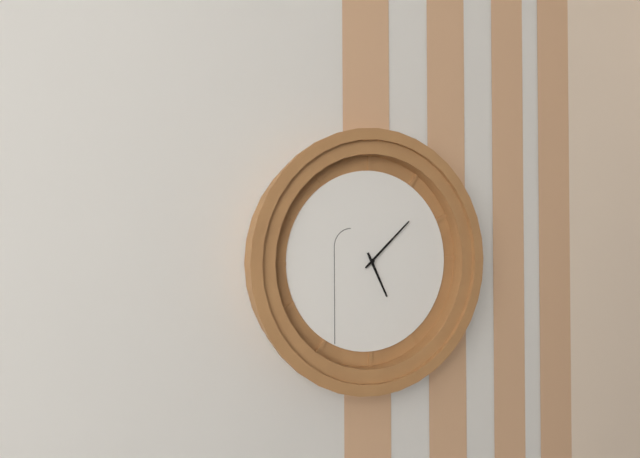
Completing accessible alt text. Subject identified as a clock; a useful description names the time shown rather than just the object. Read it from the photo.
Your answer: 5:08
